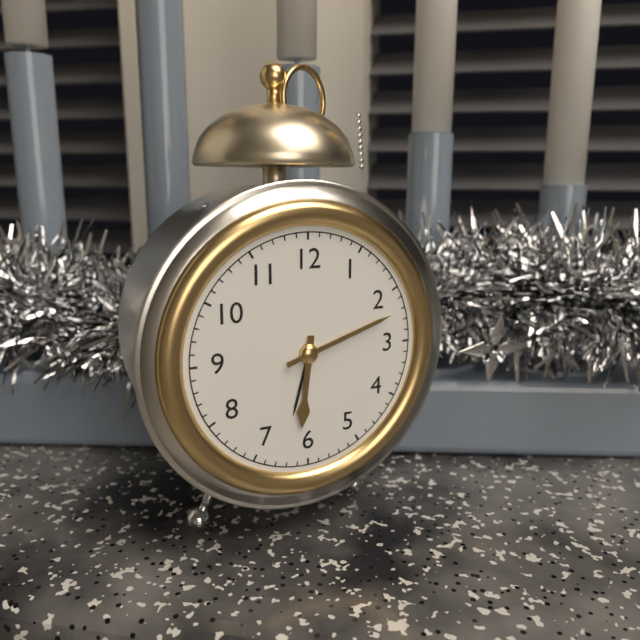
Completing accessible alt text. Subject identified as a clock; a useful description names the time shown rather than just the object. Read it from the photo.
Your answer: 6:12
